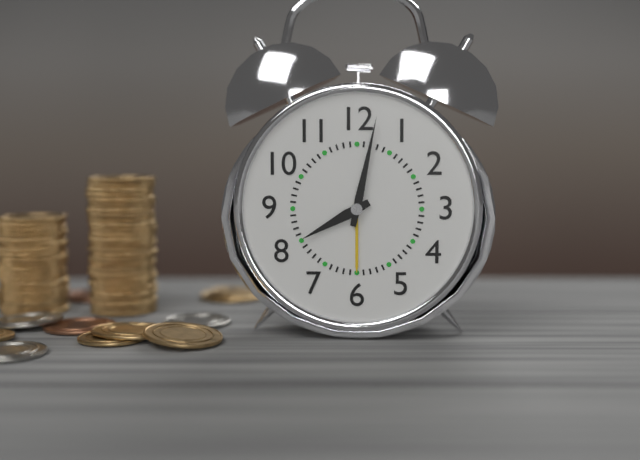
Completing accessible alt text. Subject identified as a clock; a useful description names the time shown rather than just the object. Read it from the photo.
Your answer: 8:02
